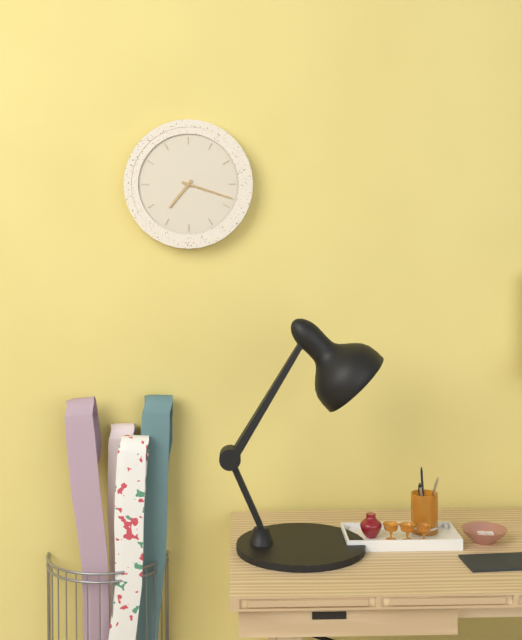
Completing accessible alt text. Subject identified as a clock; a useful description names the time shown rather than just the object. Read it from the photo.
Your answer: 7:18
